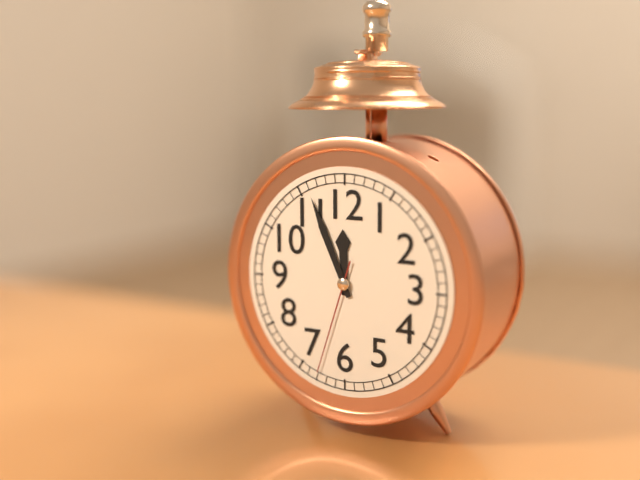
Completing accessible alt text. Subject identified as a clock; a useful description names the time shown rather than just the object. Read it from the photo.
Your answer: 11:56:33
